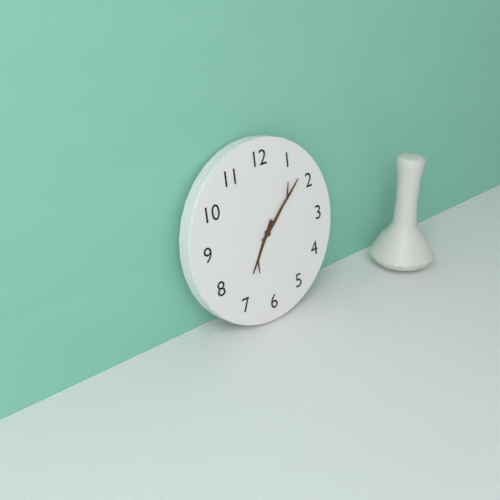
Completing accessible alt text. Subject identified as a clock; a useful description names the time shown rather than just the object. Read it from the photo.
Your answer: 7:08
